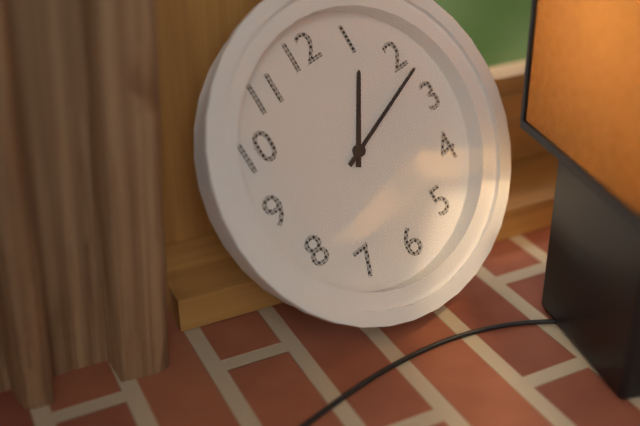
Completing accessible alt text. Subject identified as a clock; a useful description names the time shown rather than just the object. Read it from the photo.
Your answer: 1:12
